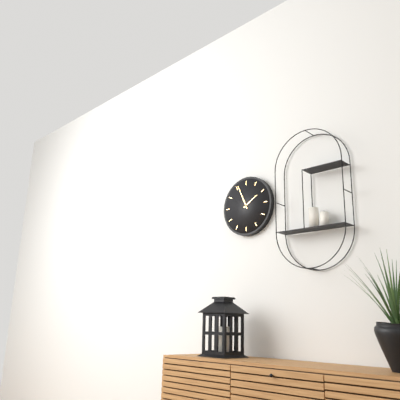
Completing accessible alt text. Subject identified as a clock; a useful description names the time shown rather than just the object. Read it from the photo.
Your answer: 1:56
